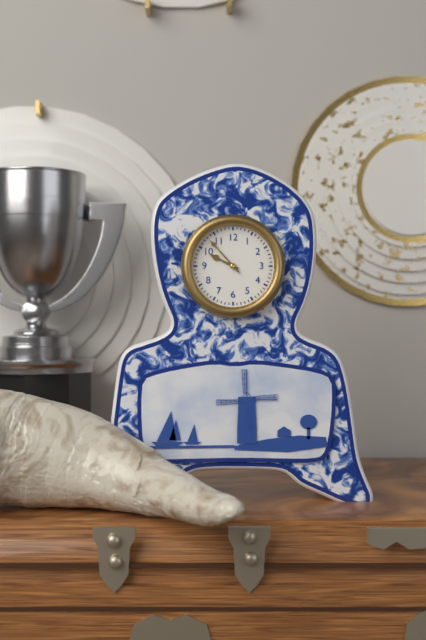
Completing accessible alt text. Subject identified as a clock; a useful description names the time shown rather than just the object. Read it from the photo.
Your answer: 9:53
